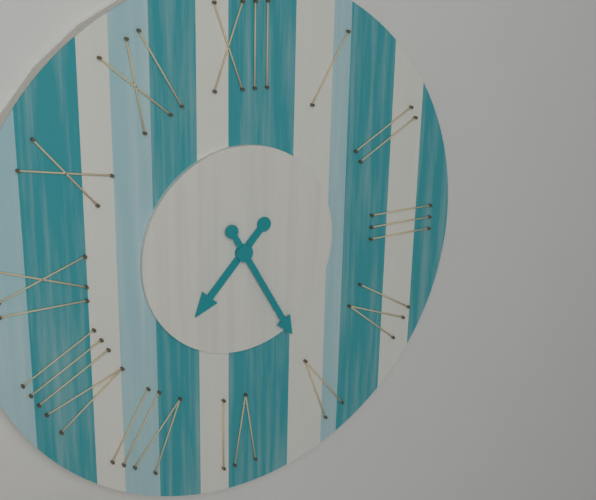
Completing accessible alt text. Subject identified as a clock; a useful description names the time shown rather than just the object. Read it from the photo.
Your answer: 7:25
